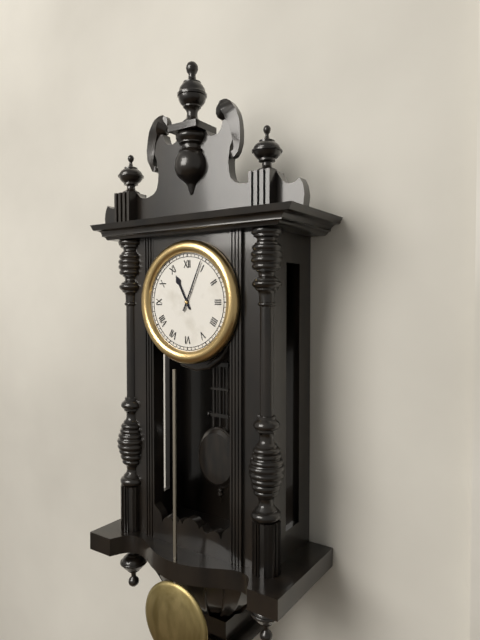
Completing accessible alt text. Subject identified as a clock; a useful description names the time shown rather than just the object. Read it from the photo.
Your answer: 11:04
